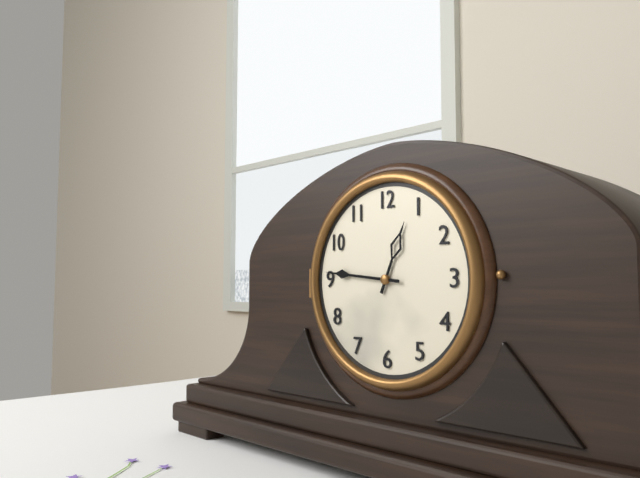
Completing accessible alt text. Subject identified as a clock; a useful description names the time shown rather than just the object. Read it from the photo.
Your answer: 12:46
